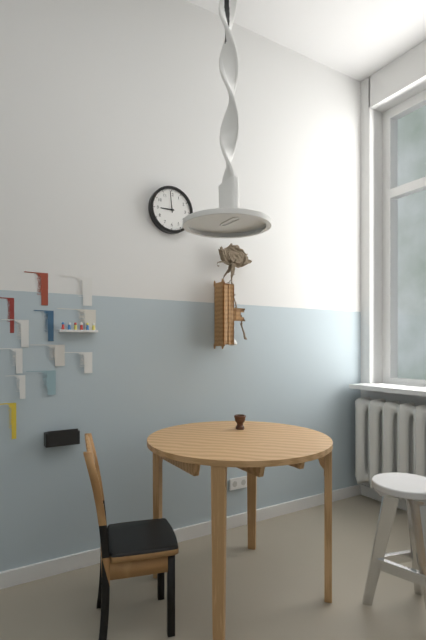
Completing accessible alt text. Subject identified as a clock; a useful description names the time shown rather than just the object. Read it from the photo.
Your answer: 8:59
